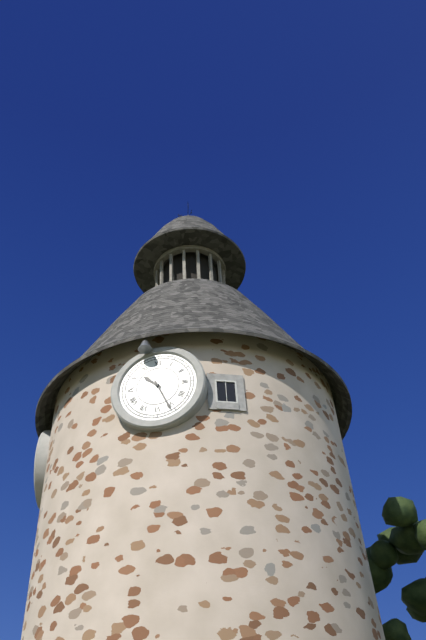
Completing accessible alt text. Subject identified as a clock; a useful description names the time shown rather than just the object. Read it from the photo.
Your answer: 10:26
